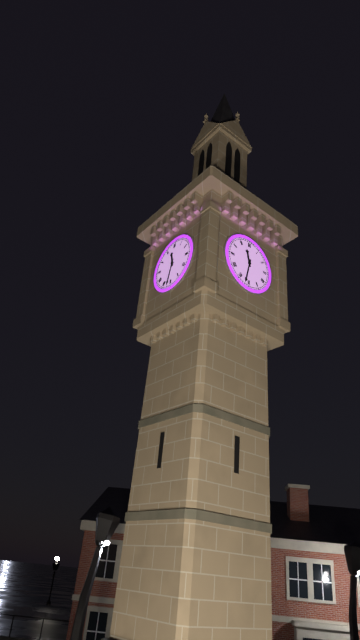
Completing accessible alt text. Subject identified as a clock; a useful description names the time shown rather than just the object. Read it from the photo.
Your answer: 11:32
